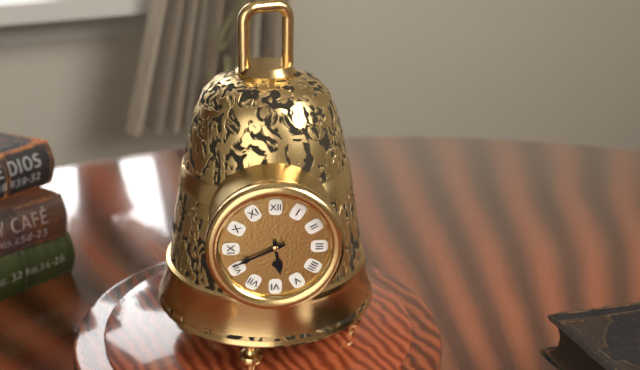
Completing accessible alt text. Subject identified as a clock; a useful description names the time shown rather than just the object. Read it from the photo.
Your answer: 5:41
